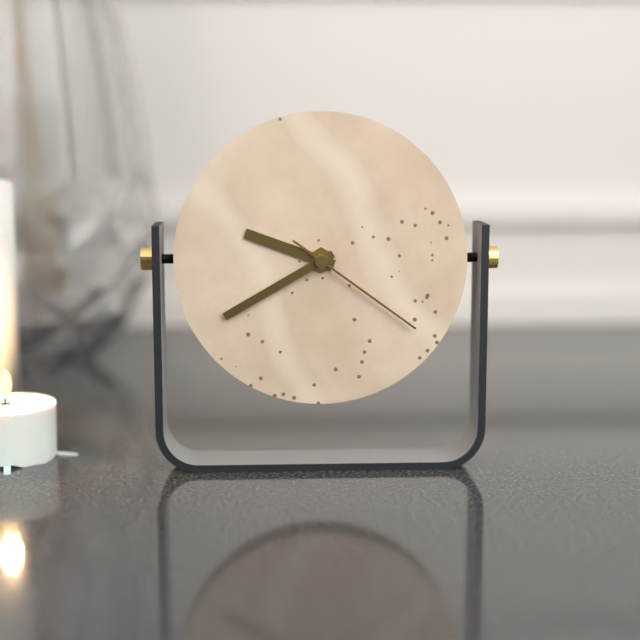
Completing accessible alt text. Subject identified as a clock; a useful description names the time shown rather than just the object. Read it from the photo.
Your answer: 9:40:21
